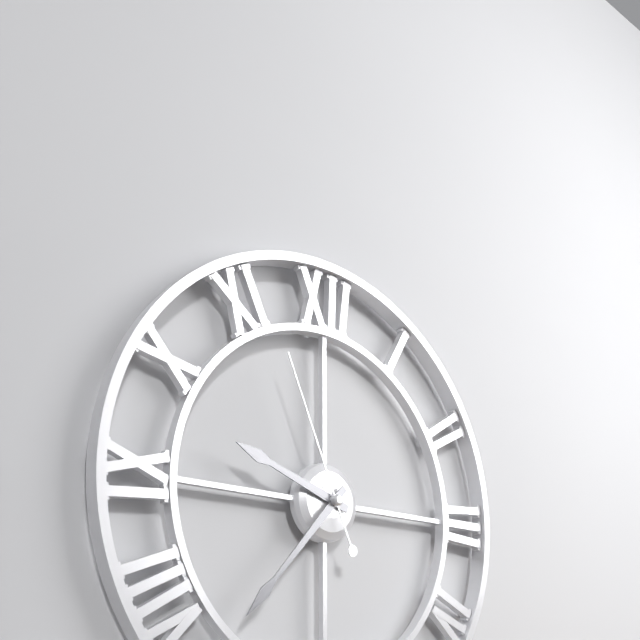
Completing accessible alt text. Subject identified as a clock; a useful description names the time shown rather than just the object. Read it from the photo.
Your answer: 9:37:56
